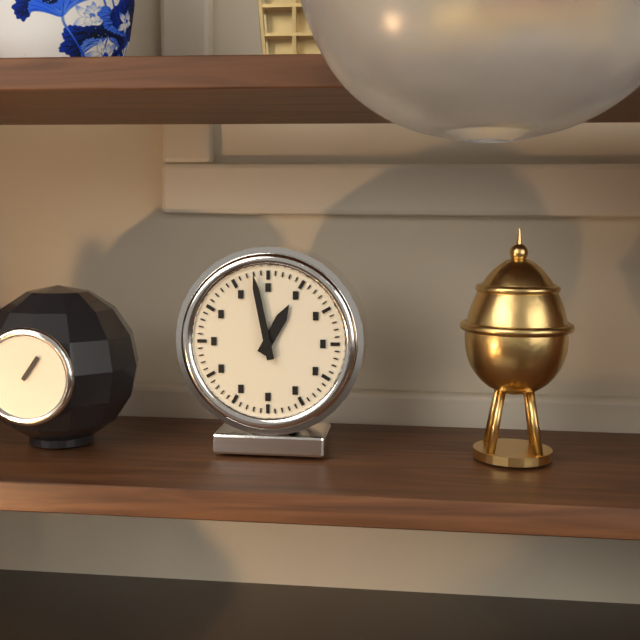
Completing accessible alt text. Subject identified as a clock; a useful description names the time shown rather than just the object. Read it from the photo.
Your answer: 12:58
